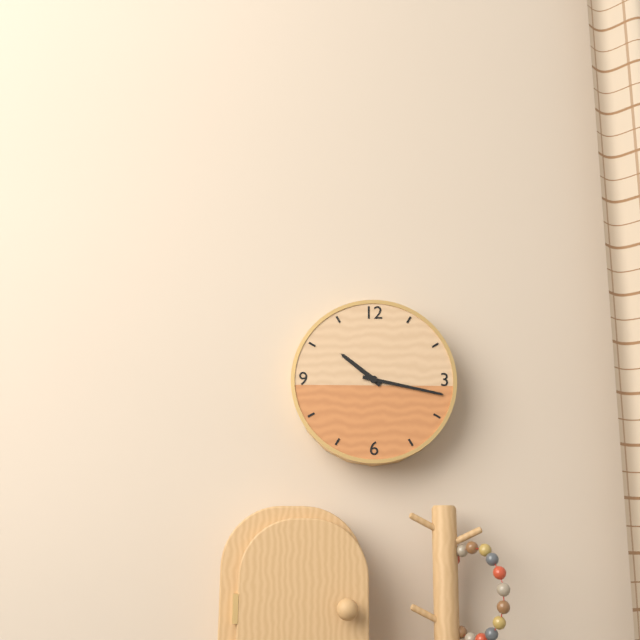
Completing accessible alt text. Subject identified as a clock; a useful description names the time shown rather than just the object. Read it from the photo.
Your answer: 10:17
